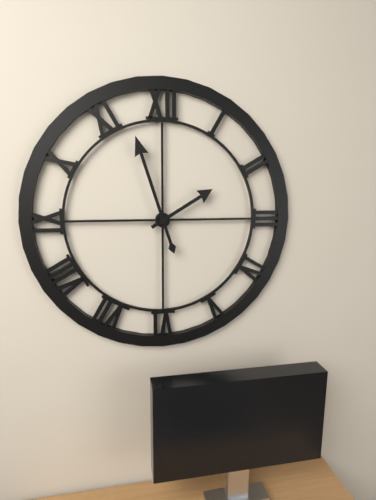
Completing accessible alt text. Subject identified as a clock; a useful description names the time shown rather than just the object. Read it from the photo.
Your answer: 1:57
